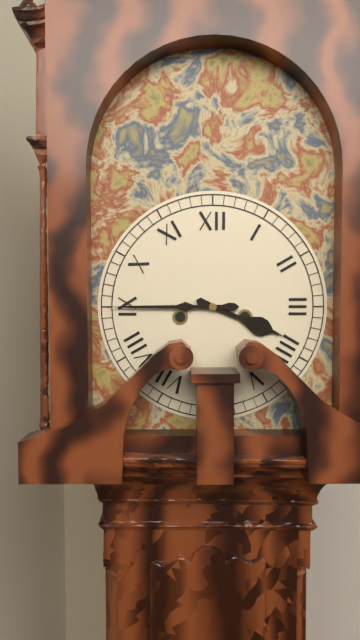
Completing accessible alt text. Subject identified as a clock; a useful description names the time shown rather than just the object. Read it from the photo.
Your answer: 3:45
